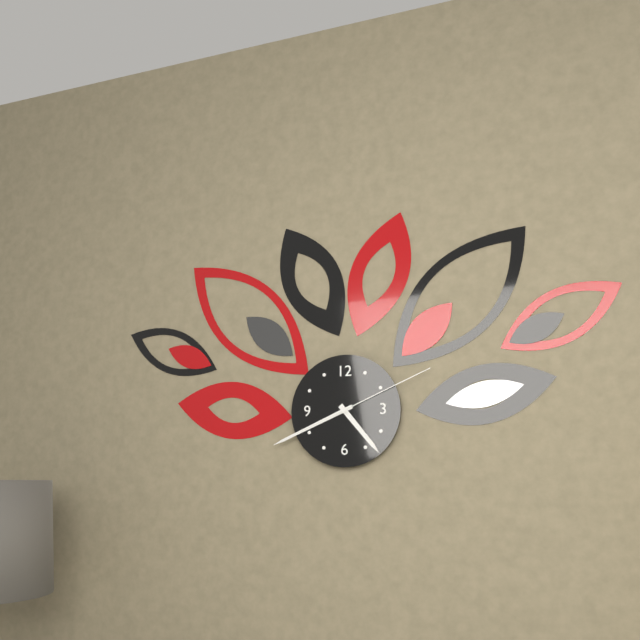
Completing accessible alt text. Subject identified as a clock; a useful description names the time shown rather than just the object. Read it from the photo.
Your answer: 4:41:11
